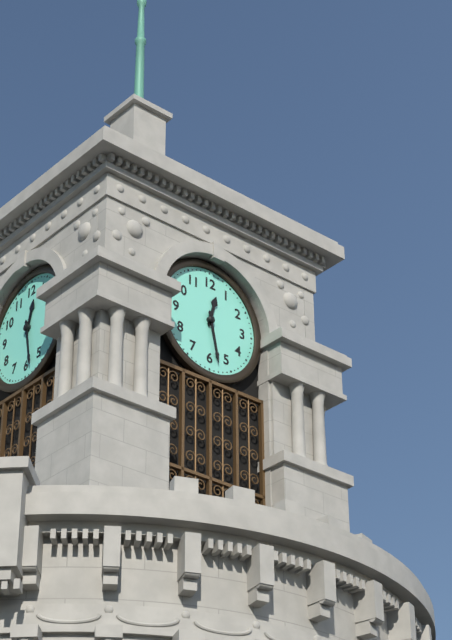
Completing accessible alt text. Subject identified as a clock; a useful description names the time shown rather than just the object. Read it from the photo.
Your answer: 12:28
